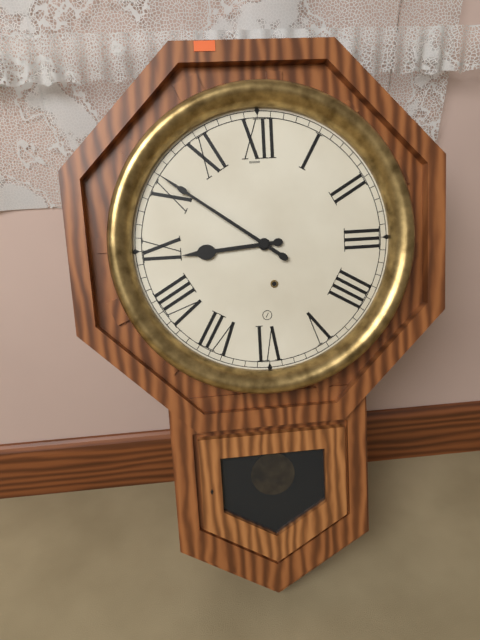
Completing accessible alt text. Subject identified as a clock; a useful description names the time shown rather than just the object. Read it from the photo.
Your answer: 8:51
